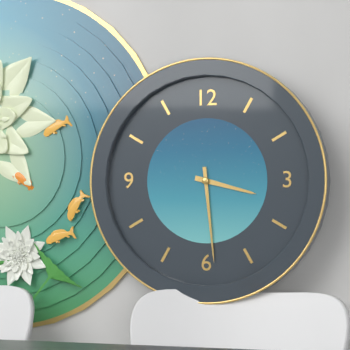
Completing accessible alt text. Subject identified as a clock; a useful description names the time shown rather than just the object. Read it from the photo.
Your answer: 3:29
